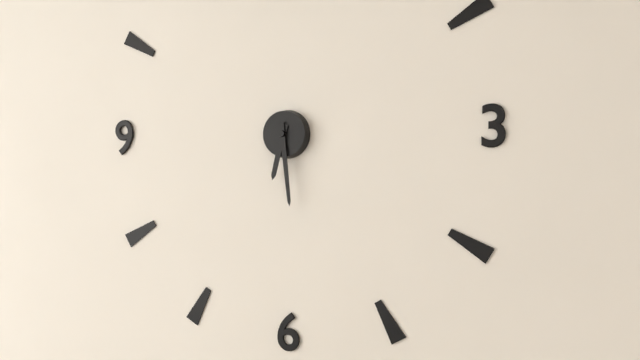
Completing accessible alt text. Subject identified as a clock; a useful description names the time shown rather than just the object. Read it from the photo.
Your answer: 6:29
